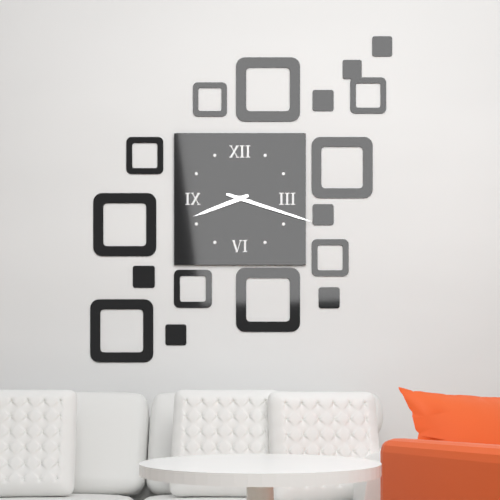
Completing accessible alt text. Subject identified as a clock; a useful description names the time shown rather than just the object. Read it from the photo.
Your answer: 8:18
